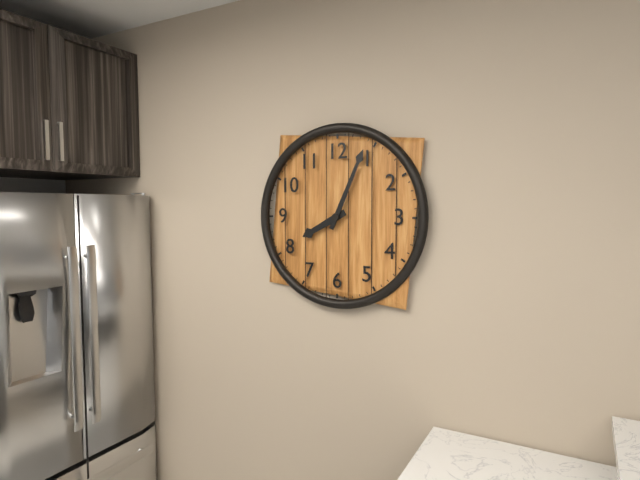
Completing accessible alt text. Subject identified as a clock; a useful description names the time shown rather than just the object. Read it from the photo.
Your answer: 8:04
